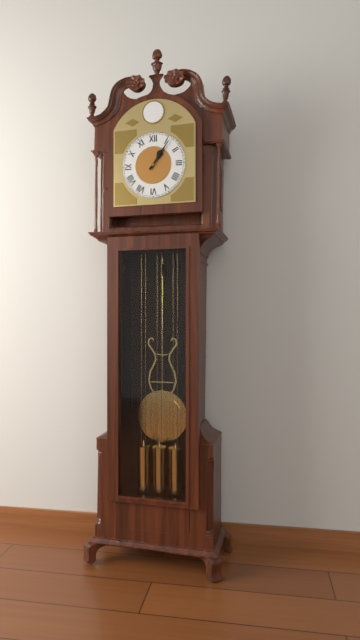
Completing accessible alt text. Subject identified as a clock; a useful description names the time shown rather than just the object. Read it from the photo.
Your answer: 1:06
